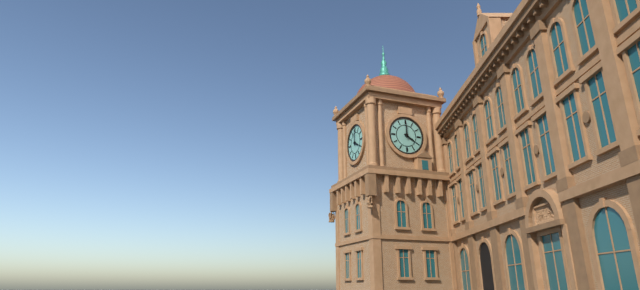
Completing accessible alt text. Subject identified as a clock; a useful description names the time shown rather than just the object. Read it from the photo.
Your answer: 4:00
